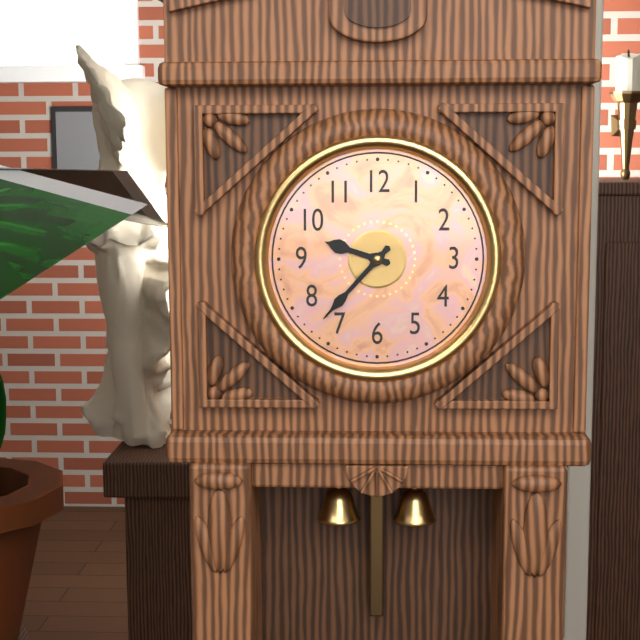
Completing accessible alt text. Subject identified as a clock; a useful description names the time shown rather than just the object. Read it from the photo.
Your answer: 9:37
